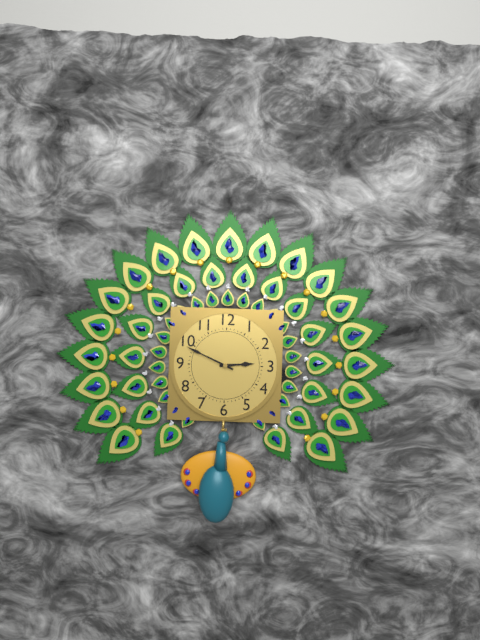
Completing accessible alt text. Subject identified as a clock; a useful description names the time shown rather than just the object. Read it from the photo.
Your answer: 2:49
